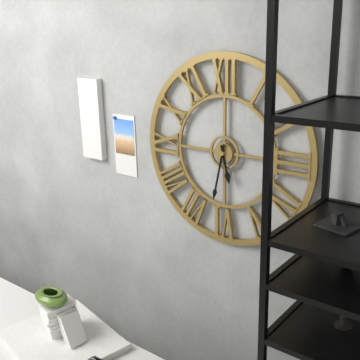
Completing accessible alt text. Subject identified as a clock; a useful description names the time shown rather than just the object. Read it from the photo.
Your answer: 5:32
